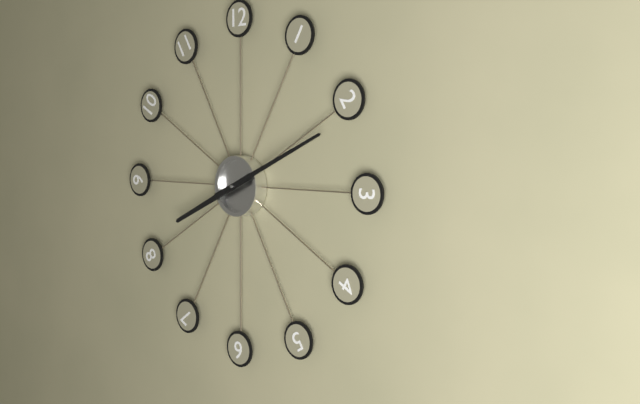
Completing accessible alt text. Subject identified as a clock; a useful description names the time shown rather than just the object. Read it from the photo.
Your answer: 8:11
